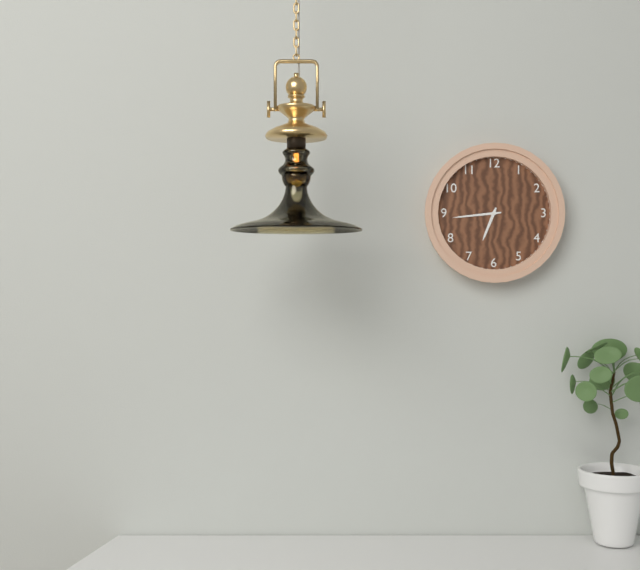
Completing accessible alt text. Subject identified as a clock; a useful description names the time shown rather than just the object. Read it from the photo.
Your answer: 6:44
